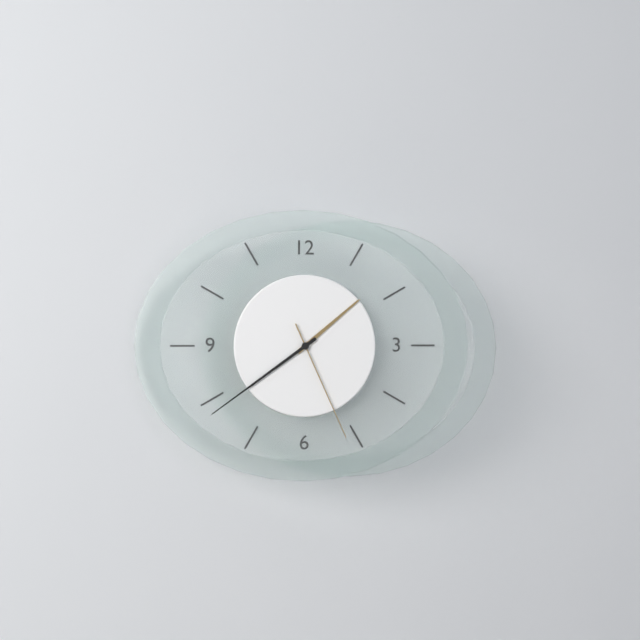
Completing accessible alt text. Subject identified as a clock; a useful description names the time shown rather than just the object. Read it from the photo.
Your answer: 1:39:26
